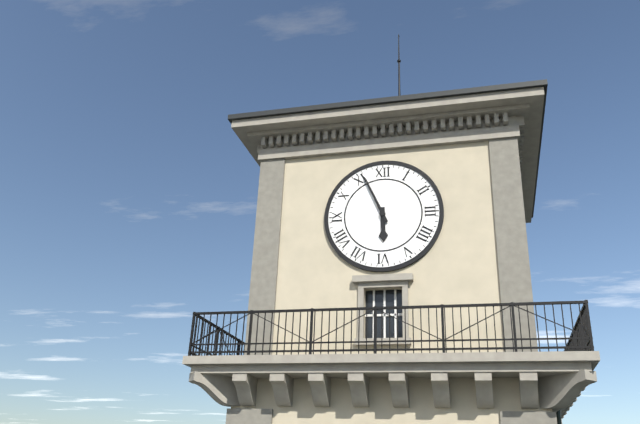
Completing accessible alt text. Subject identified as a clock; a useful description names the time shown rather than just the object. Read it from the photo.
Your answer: 5:56
